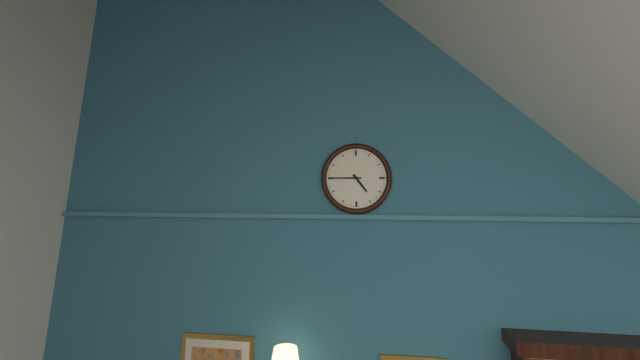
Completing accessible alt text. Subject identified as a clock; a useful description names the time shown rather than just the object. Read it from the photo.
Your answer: 4:45
